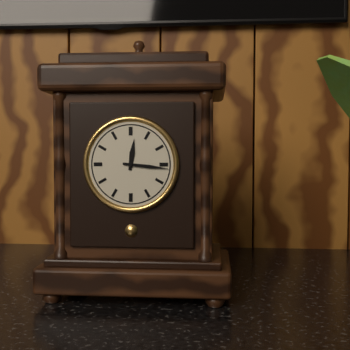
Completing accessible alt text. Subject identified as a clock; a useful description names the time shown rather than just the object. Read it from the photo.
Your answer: 12:16
